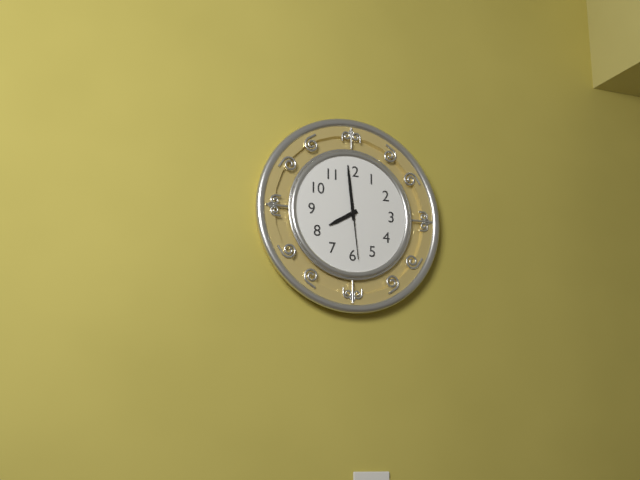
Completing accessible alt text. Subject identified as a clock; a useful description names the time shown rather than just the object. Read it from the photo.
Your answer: 7:59:29
